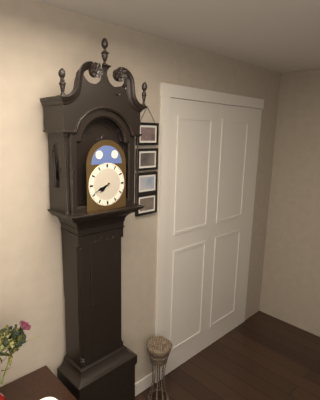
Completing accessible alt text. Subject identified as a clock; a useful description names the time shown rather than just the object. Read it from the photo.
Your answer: 7:41
